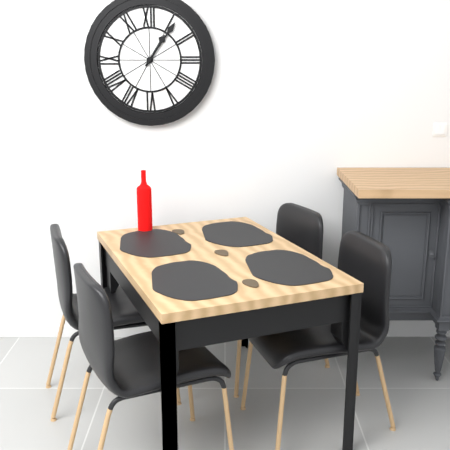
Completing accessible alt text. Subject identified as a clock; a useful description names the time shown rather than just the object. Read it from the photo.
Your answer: 1:06
